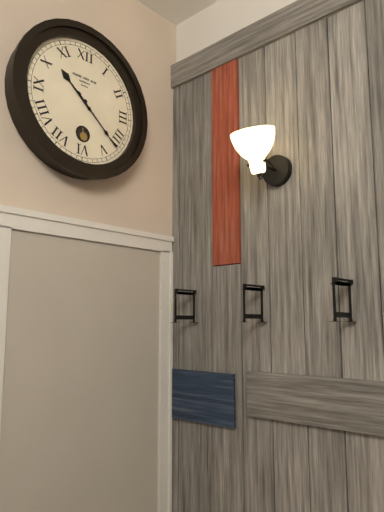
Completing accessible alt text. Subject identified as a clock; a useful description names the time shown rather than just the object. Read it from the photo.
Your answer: 10:22
